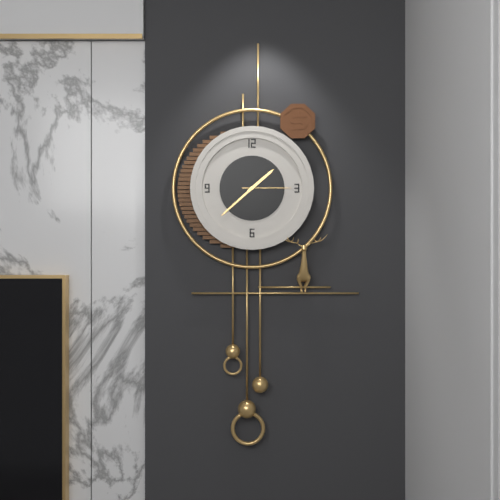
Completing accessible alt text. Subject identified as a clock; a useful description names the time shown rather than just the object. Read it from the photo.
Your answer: 1:38
